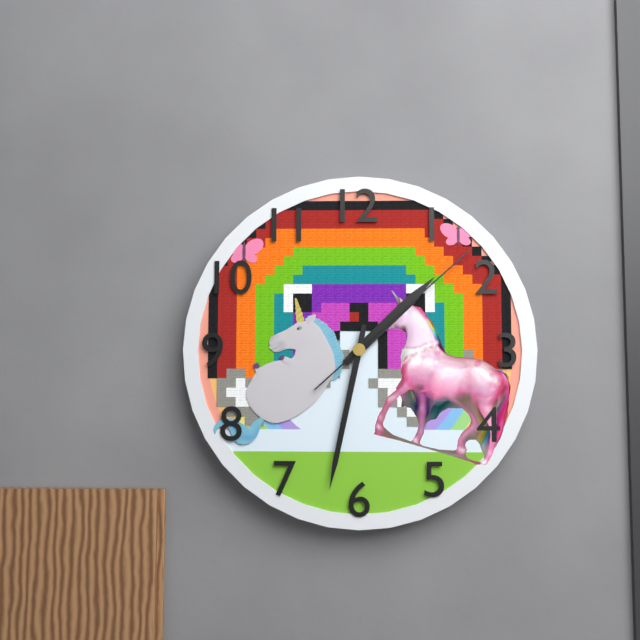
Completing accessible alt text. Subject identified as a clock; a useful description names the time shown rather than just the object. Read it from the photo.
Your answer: 1:32:08
